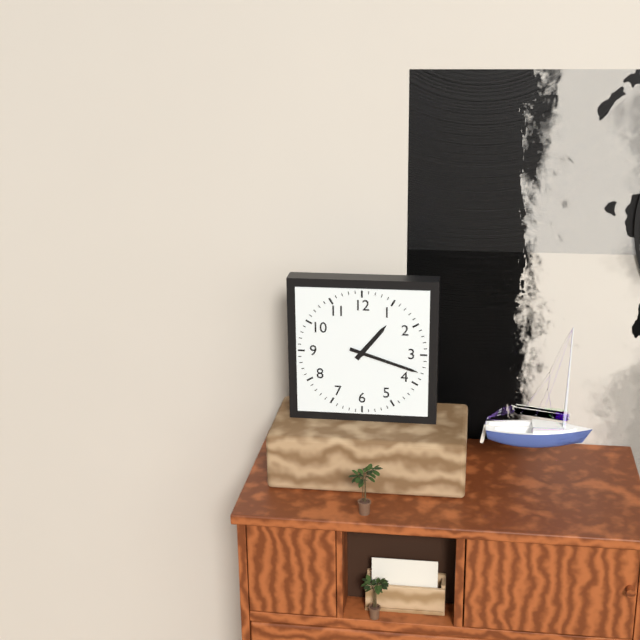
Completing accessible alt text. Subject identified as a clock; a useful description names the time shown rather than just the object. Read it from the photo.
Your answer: 1:18
